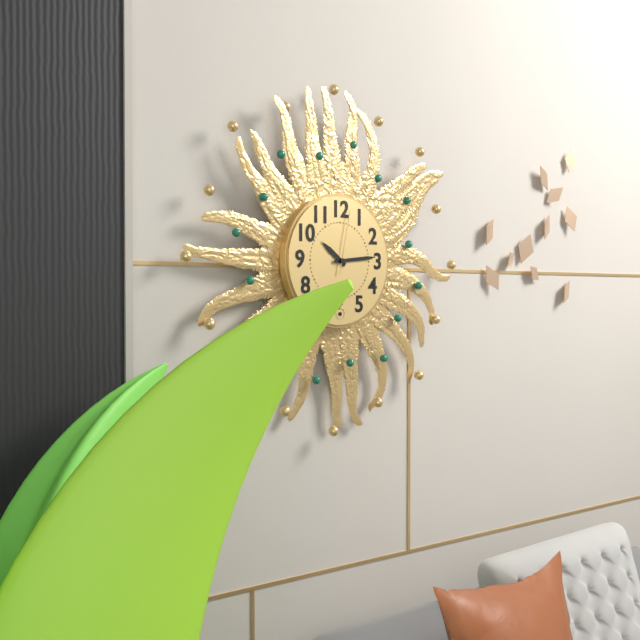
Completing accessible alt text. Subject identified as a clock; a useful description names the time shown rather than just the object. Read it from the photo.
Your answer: 10:14:02
